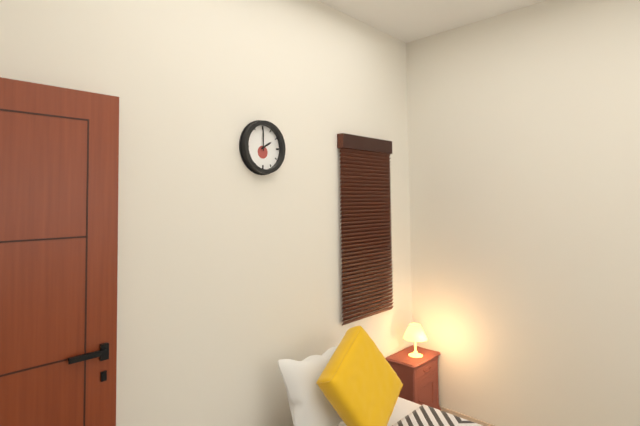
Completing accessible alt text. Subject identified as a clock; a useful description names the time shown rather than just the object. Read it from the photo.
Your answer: 2:00
